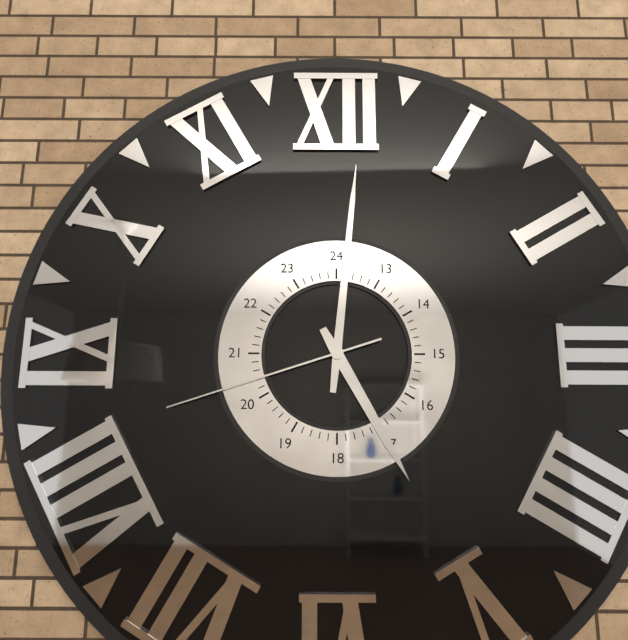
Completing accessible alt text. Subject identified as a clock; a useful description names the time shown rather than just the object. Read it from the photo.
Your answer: 5:01:42
